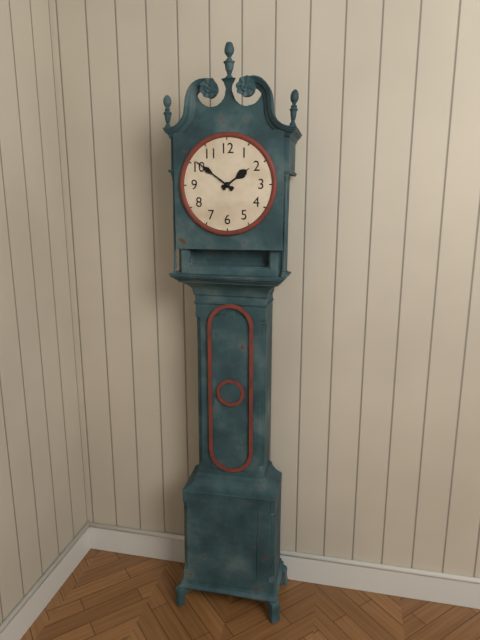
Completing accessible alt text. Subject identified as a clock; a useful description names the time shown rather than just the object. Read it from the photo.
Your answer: 1:51
